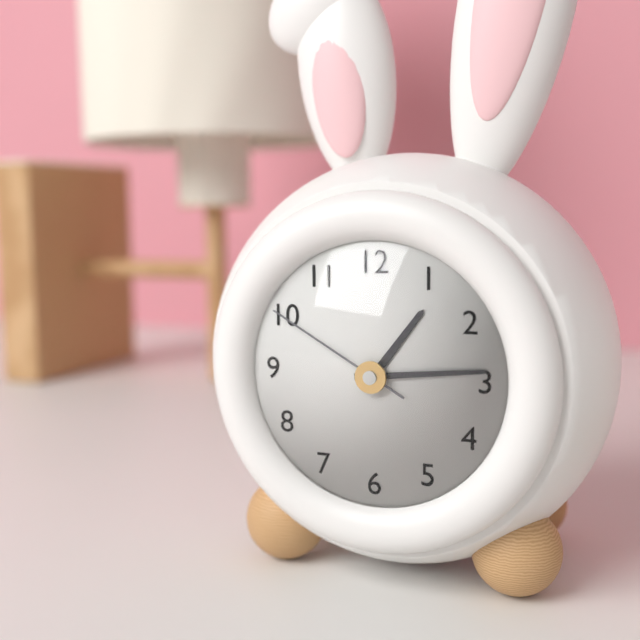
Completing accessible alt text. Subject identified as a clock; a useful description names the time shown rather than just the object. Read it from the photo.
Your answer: 1:14:50
